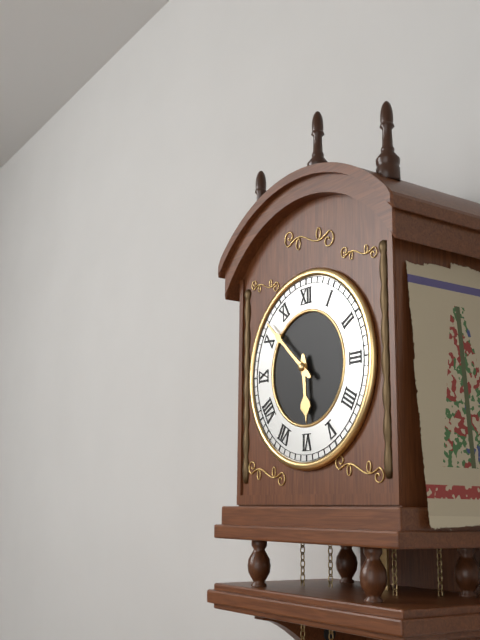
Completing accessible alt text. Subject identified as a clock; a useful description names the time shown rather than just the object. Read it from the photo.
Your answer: 5:52
